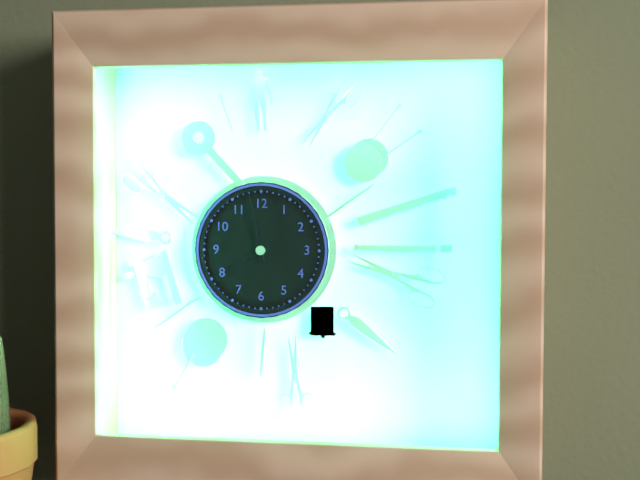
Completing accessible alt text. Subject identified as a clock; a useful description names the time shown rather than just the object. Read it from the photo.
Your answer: 7:58
